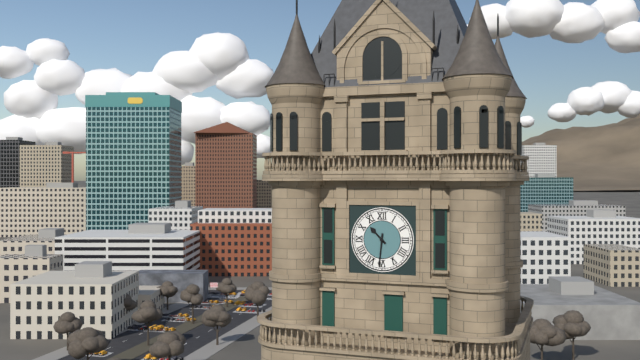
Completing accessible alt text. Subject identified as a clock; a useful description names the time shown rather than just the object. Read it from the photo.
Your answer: 10:31
